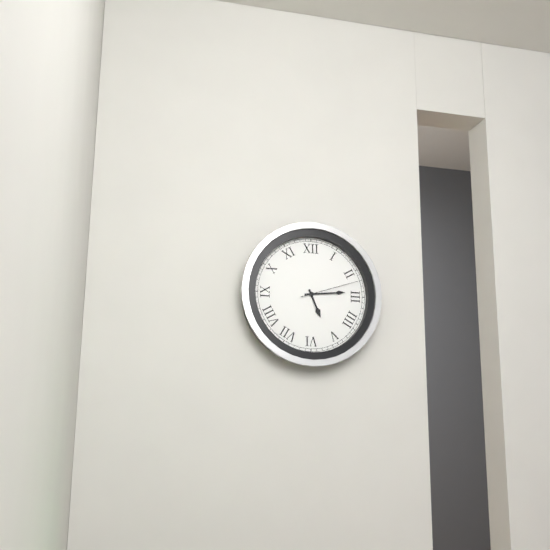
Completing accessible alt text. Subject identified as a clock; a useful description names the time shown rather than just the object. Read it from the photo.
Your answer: 5:14:12
